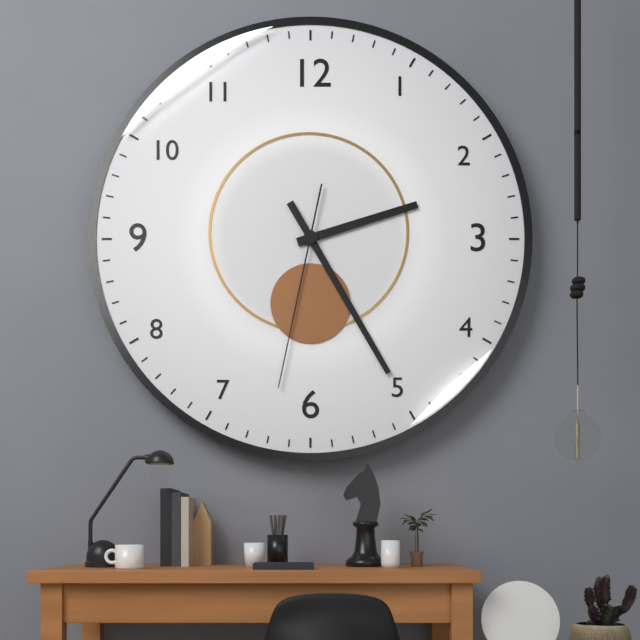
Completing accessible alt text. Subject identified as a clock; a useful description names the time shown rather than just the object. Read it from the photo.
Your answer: 2:25:32
